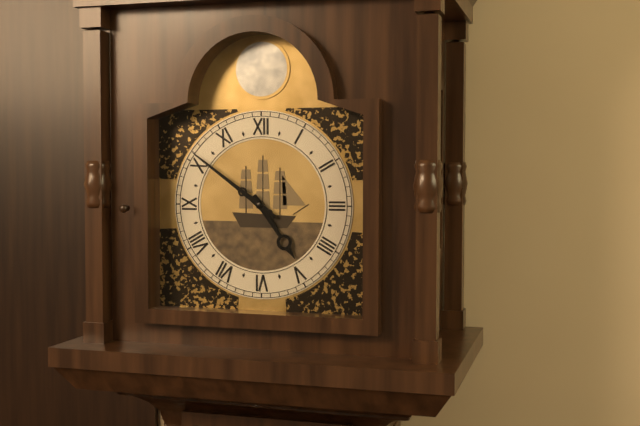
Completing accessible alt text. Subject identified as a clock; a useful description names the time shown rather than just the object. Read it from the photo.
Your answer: 4:51
